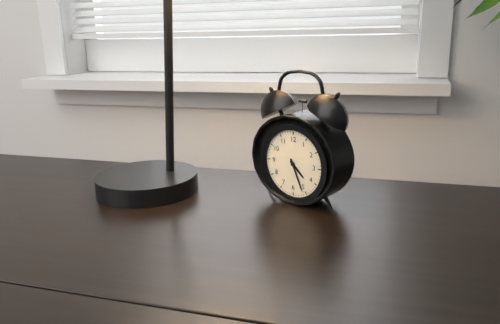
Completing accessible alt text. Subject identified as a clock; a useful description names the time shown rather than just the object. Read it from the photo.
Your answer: 4:26
